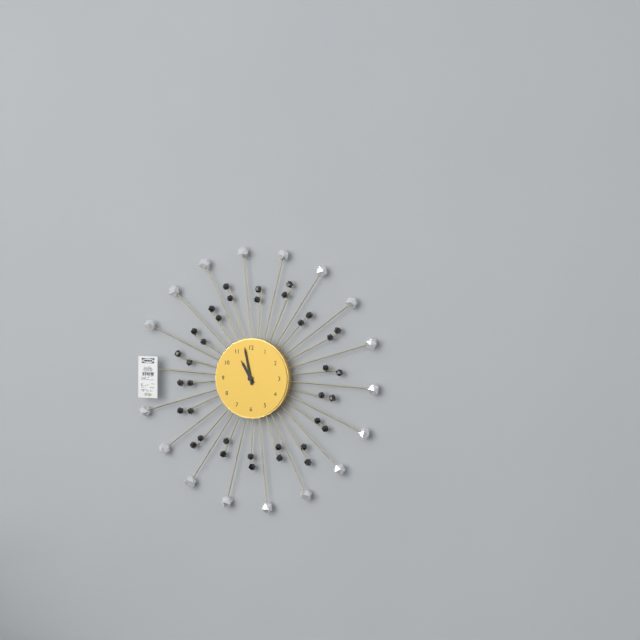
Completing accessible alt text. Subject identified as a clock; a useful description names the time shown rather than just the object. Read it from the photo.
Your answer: 10:58
